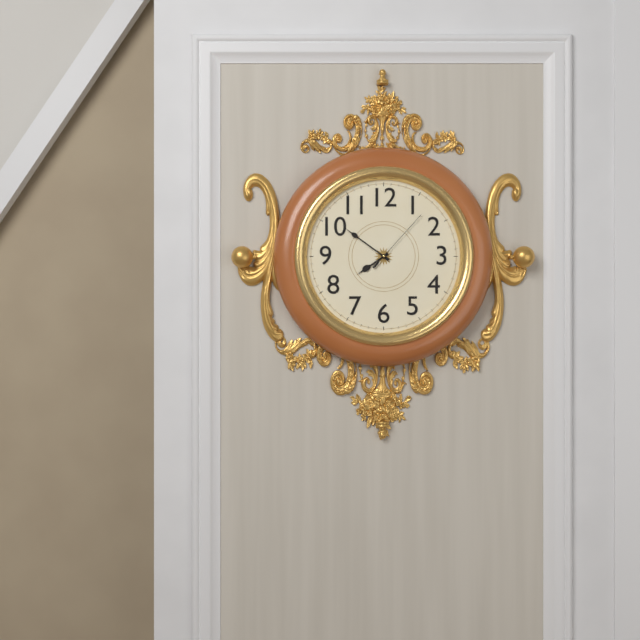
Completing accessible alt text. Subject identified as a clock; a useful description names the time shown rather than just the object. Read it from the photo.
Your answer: 7:51:07
